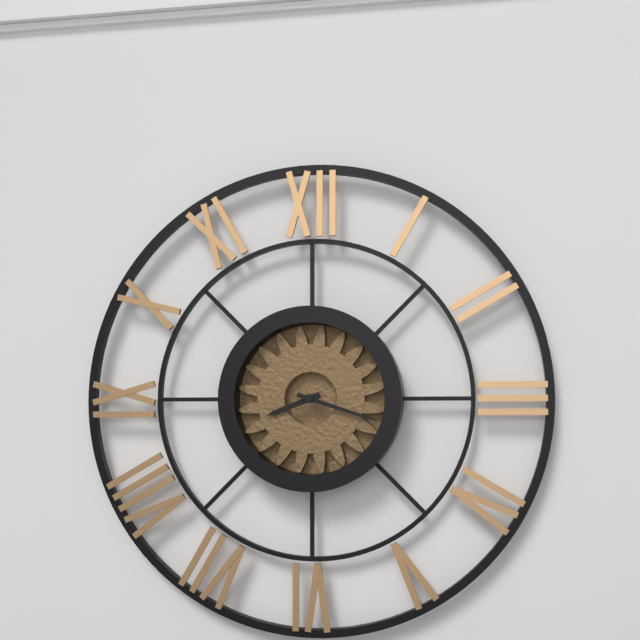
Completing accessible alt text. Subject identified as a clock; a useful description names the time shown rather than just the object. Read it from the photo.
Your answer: 8:18
